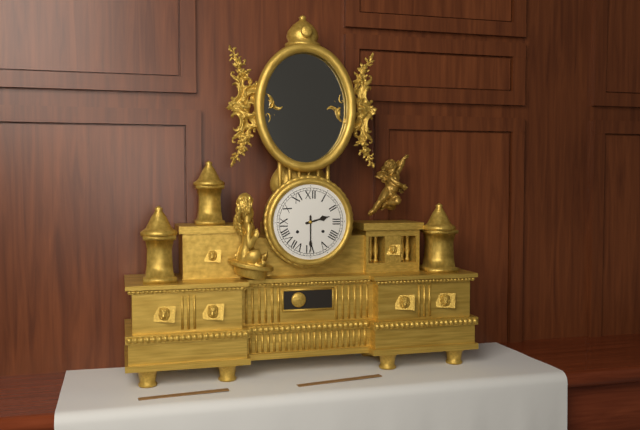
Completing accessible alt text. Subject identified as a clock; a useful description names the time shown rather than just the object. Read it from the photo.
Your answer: 2:30
